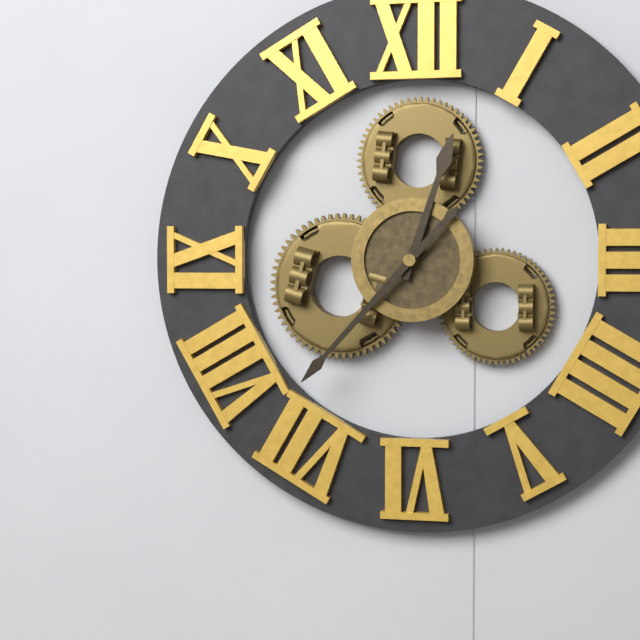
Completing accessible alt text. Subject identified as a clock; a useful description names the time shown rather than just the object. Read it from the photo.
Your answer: 12:37
